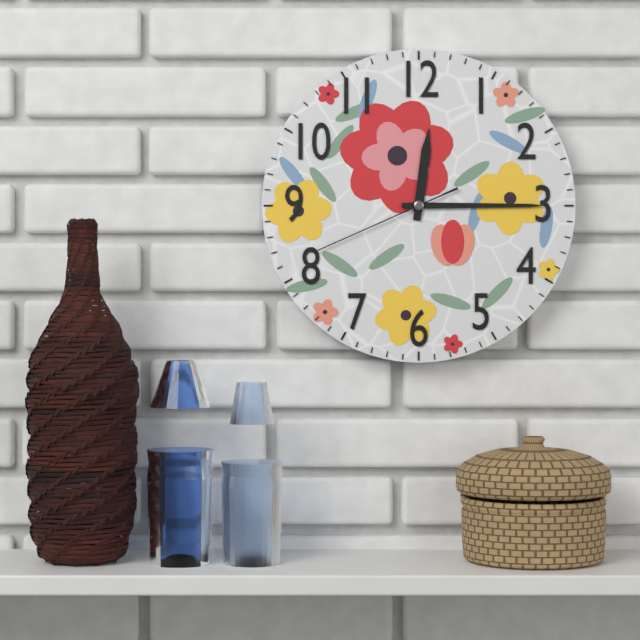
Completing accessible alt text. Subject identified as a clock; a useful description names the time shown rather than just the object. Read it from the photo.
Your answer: 12:15:41
